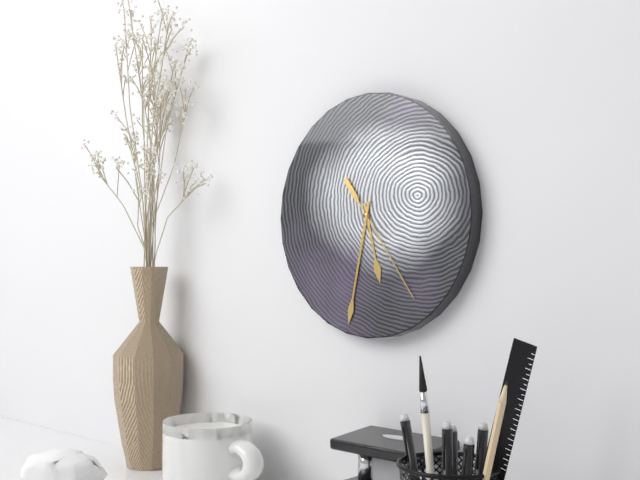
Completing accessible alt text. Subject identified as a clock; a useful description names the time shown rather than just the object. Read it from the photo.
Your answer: 5:32:24
